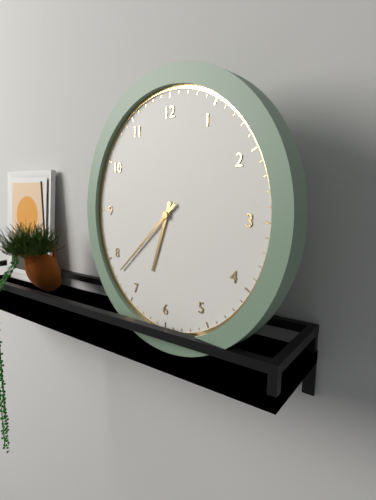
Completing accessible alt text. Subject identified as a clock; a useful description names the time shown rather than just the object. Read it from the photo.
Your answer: 6:38
